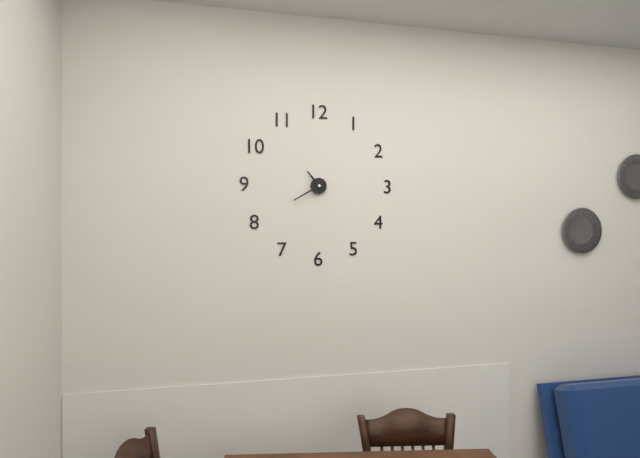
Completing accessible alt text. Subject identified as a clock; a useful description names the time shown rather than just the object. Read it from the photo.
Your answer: 10:40
